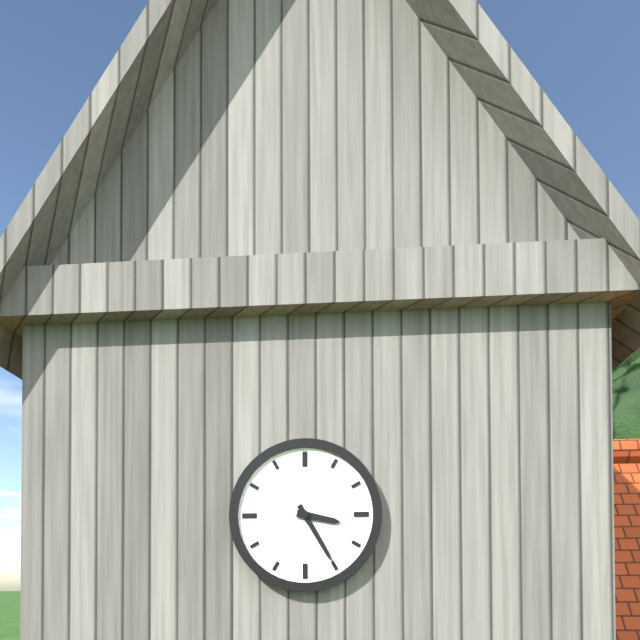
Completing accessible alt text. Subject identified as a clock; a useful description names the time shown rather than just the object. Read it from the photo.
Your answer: 3:25
